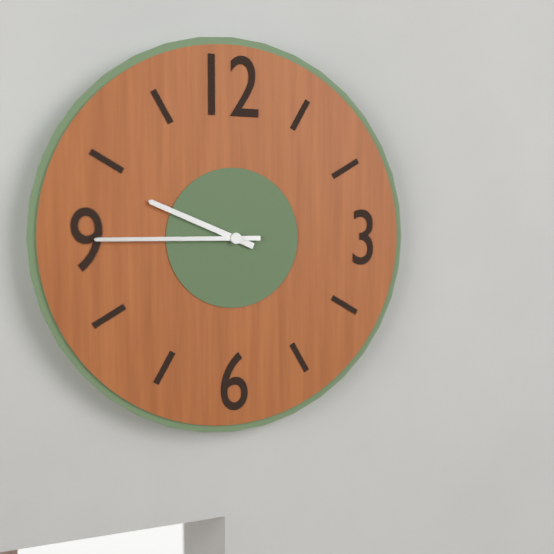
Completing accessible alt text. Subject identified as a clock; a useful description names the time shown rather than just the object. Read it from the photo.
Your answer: 9:45
